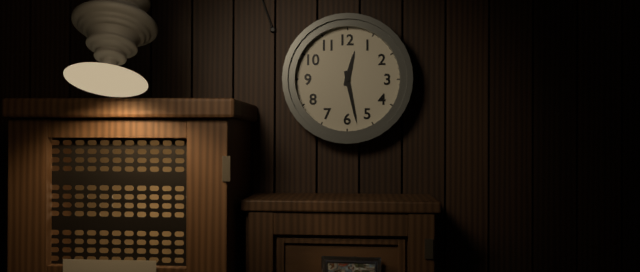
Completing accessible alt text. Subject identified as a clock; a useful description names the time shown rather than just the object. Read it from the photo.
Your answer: 12:28
